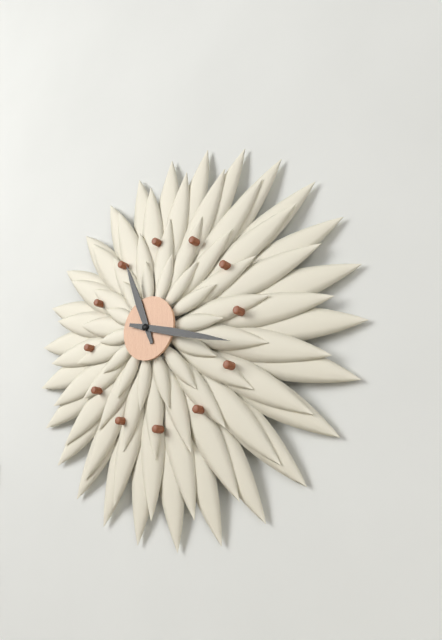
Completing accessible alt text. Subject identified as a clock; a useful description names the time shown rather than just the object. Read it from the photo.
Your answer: 11:18
